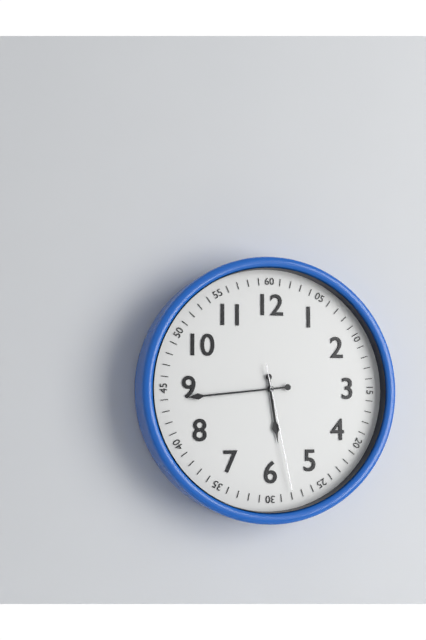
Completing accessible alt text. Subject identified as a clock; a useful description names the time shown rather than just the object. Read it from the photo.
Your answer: 5:44:28
